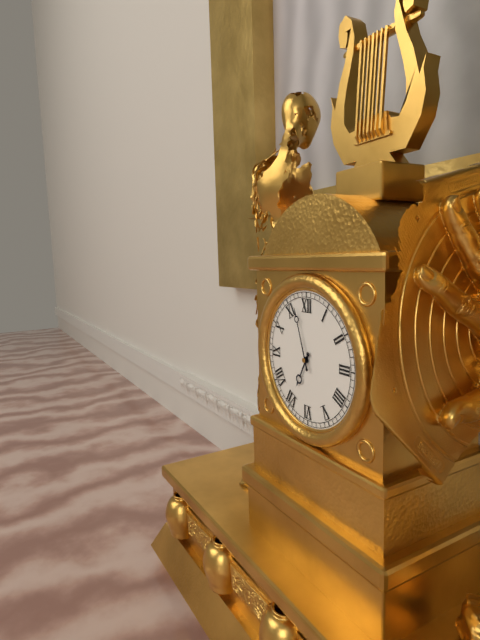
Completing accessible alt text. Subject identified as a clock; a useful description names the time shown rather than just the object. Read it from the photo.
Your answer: 6:57
